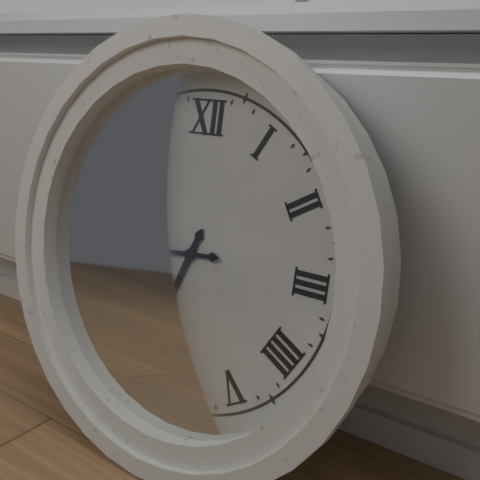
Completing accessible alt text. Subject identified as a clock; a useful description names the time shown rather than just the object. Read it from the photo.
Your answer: 6:44
